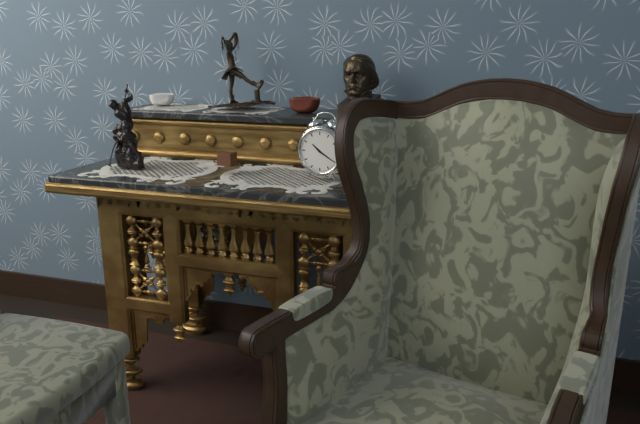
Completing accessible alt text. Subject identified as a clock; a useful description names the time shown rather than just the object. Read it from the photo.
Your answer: 10:20
